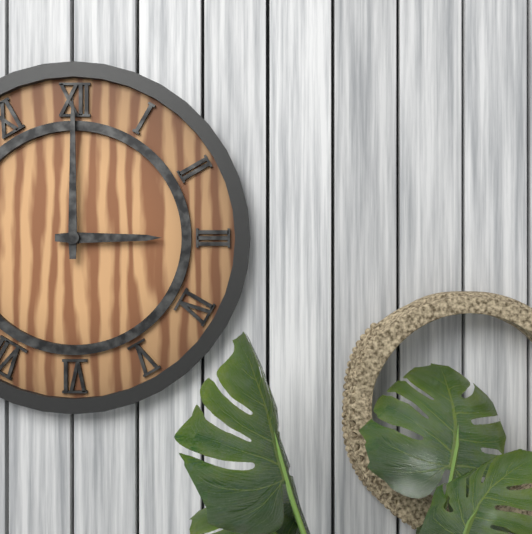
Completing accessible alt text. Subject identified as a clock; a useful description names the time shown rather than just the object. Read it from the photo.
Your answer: 3:00
